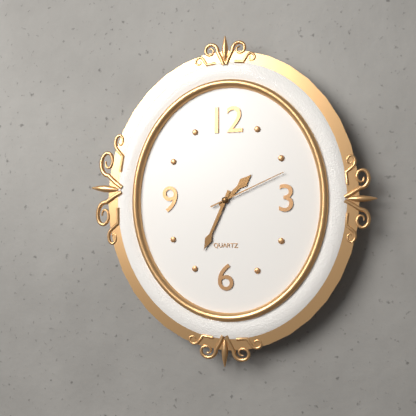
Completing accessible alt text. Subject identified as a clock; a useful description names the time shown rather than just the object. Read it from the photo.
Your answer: 1:34:11
